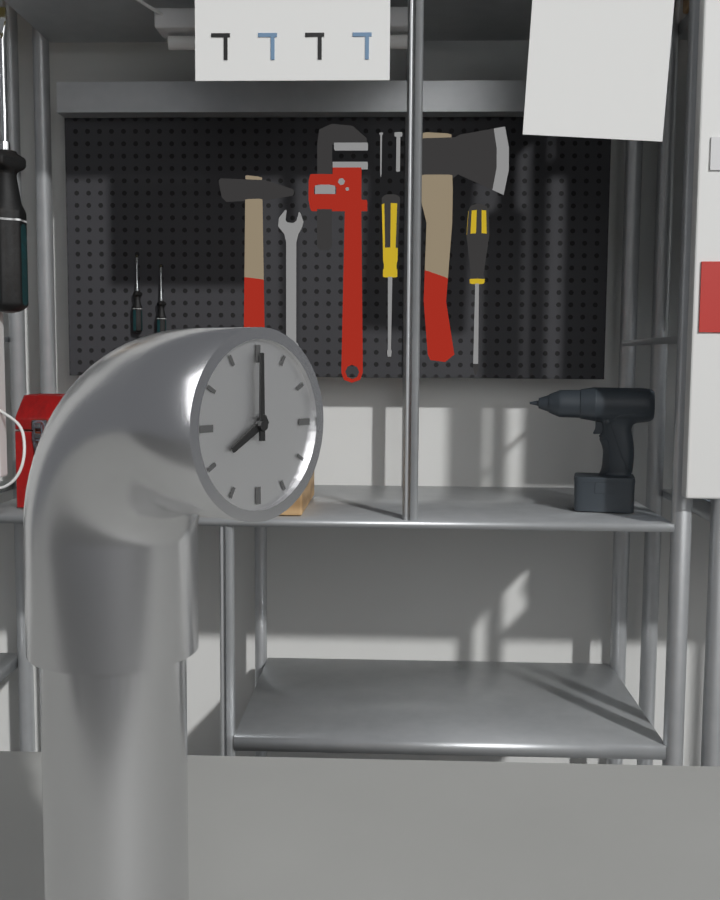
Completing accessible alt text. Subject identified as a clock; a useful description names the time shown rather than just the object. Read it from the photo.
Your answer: 8:00
